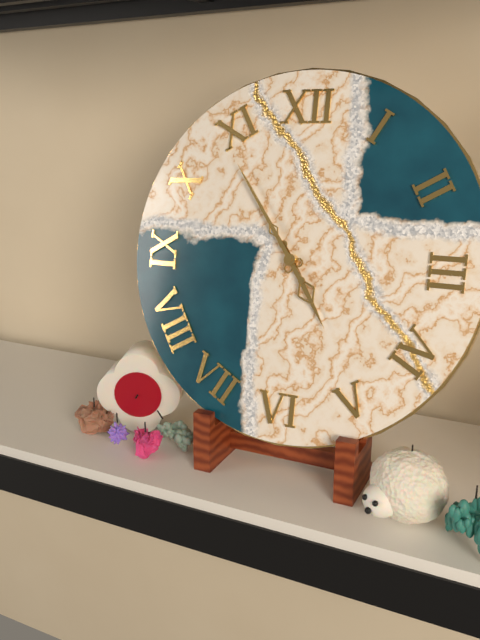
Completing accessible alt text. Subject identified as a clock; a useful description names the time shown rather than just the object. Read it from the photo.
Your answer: 4:54
